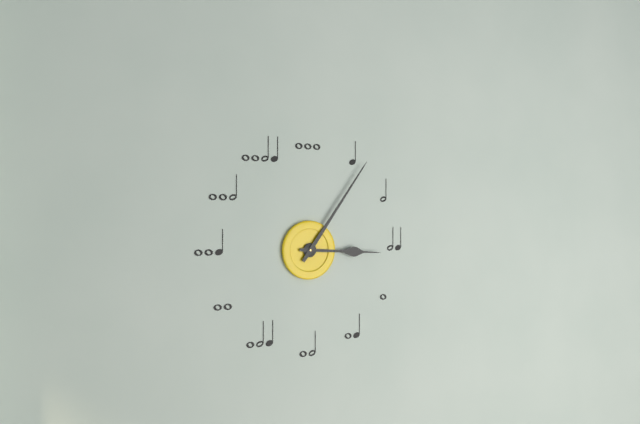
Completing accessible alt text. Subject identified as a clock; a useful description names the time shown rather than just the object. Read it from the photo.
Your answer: 3:06
